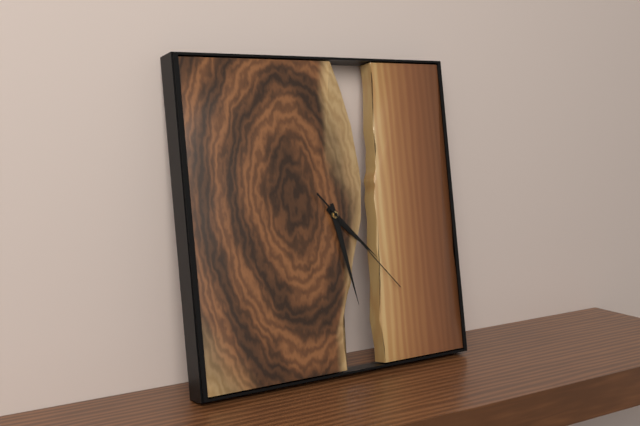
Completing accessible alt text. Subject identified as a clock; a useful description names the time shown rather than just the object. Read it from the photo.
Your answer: 4:28:23
